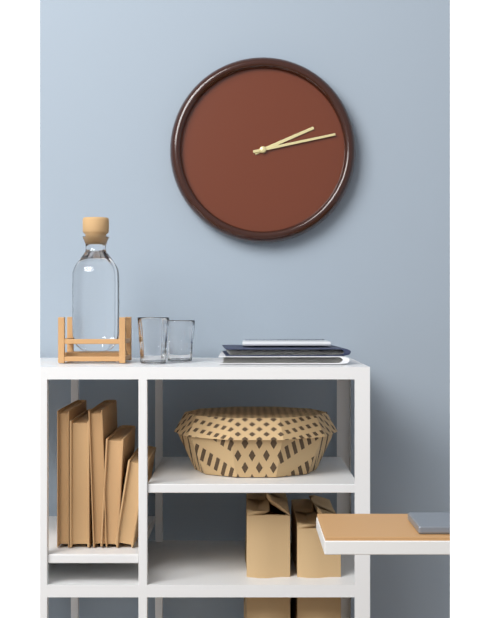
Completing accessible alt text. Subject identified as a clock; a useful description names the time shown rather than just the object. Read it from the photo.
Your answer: 2:13
